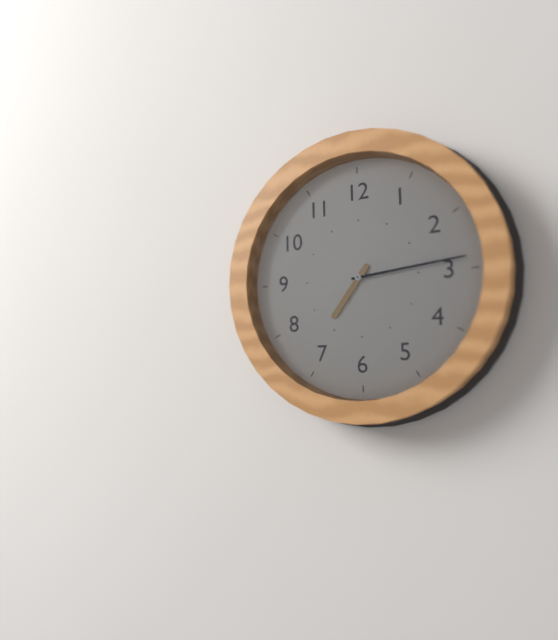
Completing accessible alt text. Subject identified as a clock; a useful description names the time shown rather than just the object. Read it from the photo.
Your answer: 7:14
